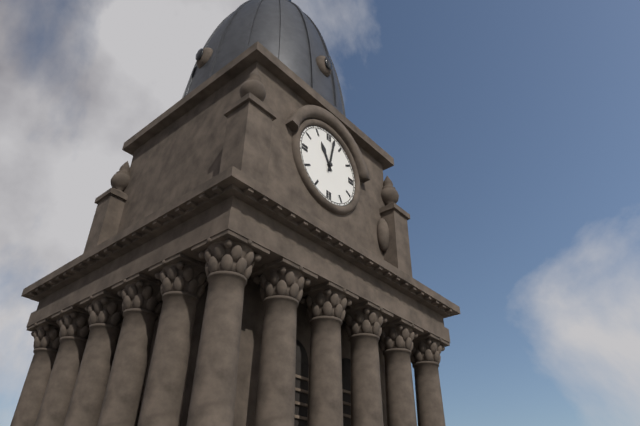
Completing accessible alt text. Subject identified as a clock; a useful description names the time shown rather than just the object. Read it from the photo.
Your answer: 11:02
